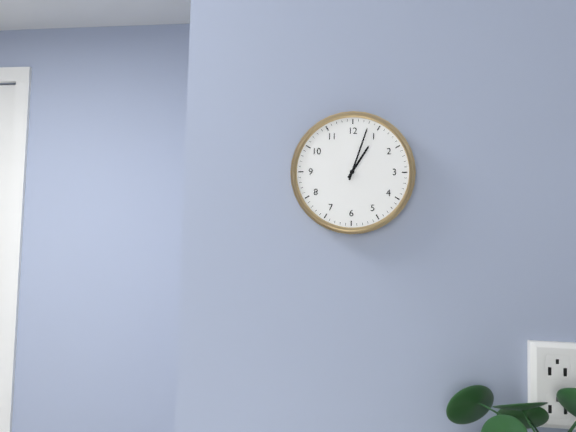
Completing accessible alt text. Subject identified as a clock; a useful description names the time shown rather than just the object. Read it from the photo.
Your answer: 1:03
